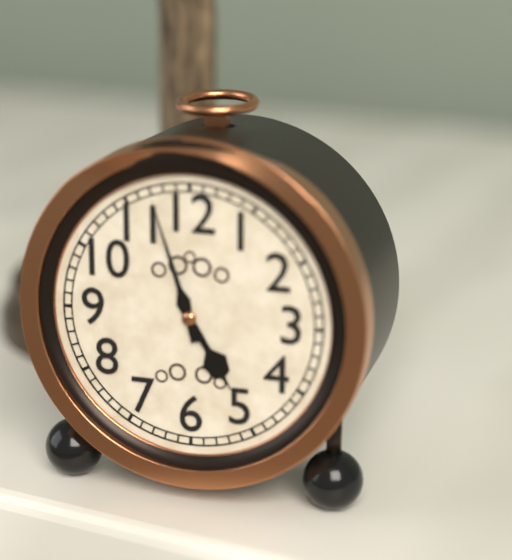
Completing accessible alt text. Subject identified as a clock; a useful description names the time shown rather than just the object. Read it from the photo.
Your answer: 4:57
